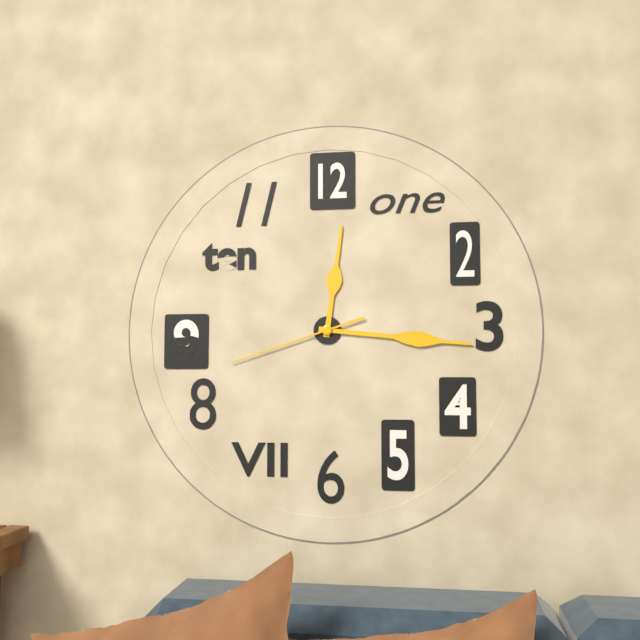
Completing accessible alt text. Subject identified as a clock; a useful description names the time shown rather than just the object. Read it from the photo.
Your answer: 12:16:42
